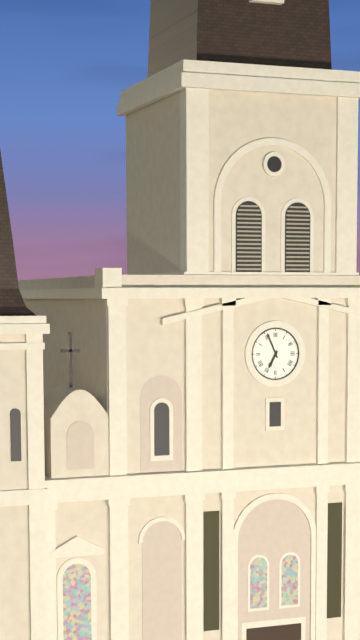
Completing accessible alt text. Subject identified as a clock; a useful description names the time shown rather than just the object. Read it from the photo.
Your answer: 6:56
